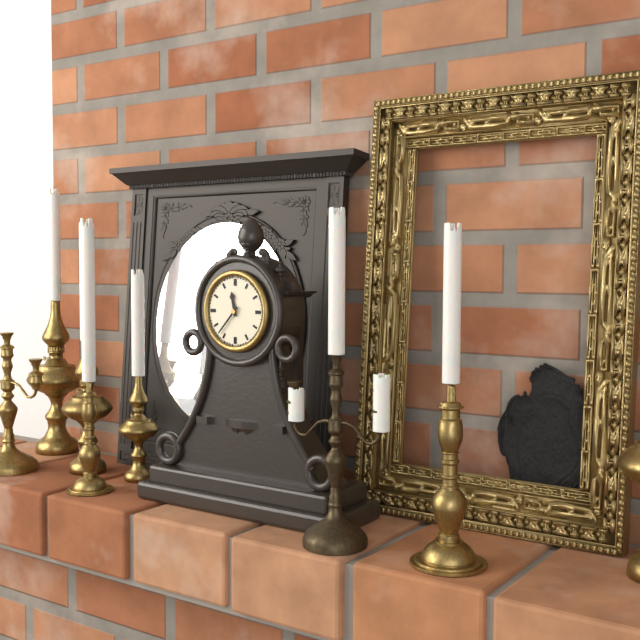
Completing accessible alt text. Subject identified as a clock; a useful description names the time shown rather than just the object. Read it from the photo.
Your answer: 11:37
